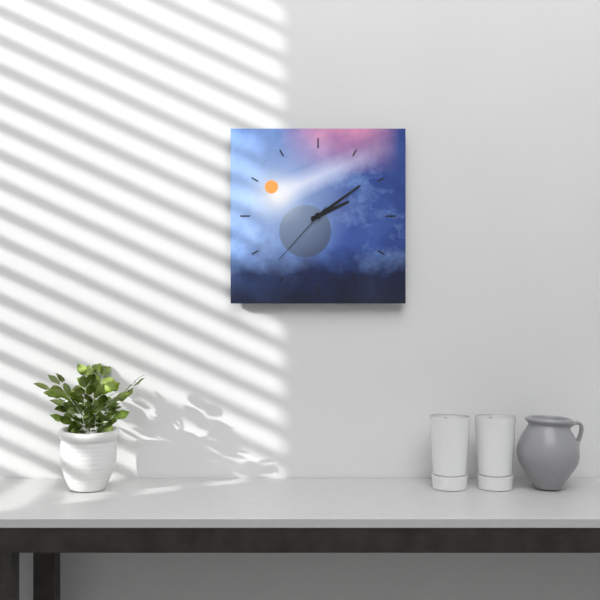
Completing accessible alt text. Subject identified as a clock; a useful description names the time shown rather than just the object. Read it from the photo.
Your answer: 2:09:37
